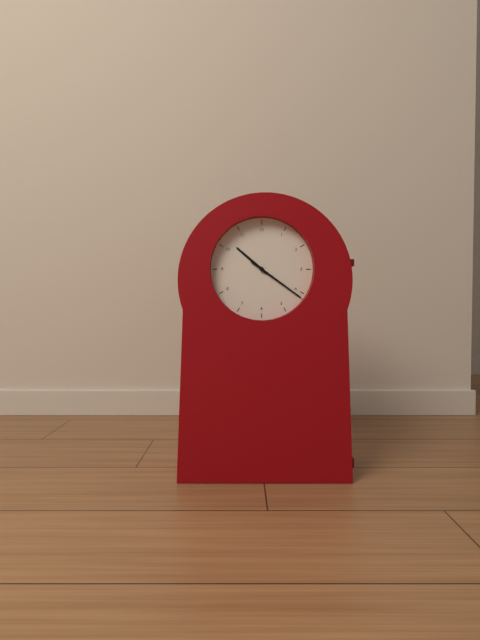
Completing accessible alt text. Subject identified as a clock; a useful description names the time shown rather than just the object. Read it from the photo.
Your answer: 10:21
